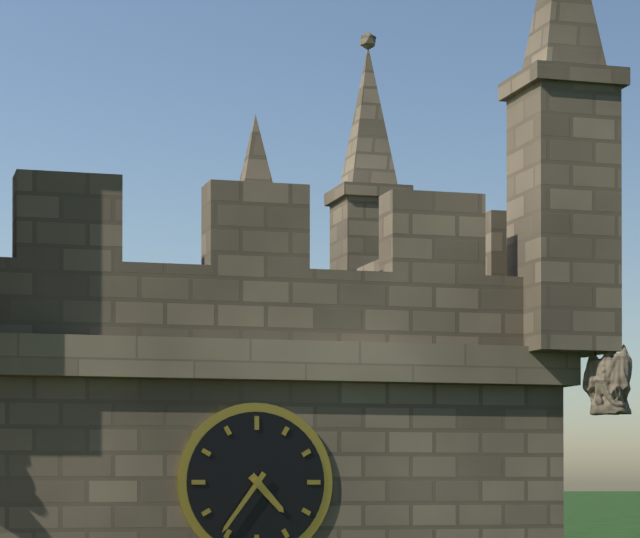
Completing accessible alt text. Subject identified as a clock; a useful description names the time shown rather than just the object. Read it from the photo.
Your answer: 4:36
